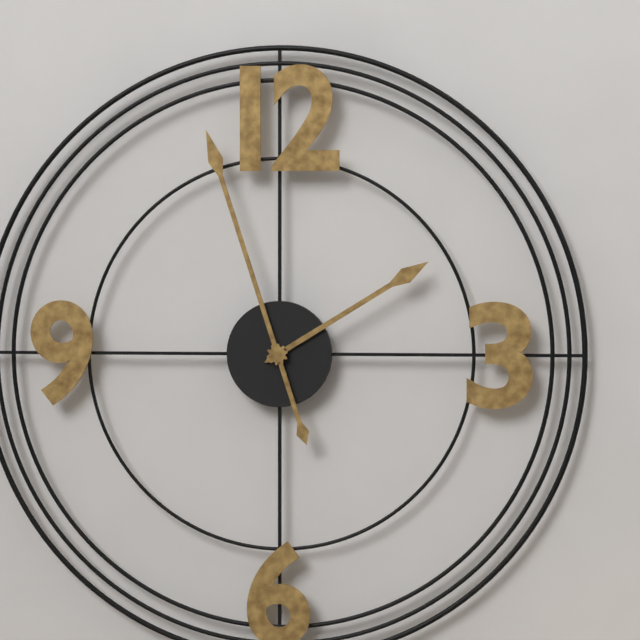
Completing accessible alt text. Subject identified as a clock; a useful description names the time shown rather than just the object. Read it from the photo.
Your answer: 1:57
